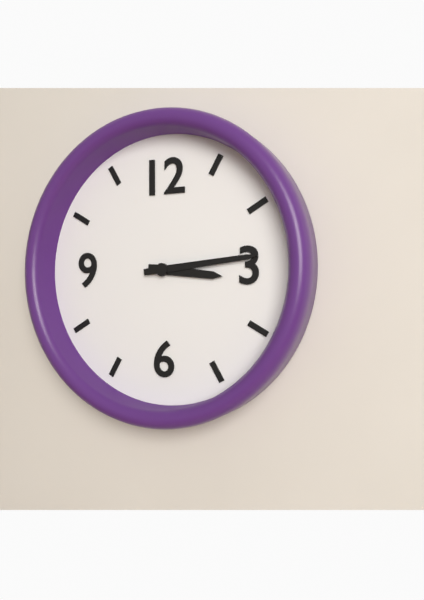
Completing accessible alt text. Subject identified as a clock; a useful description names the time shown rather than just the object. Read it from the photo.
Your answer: 3:14
